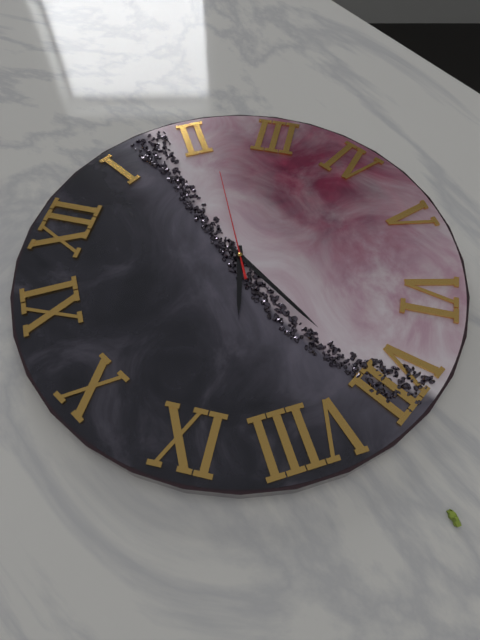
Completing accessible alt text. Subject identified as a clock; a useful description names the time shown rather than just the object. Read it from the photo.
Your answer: 8:36:11
